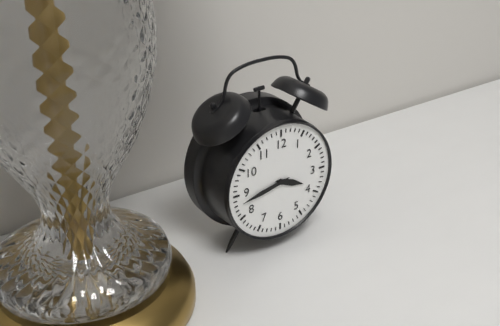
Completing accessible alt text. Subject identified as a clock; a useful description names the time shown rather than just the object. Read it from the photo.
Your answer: 3:43
